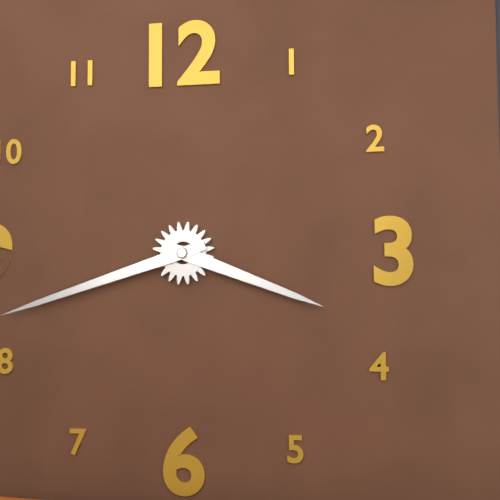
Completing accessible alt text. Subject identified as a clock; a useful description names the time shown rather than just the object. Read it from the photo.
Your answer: 3:42
